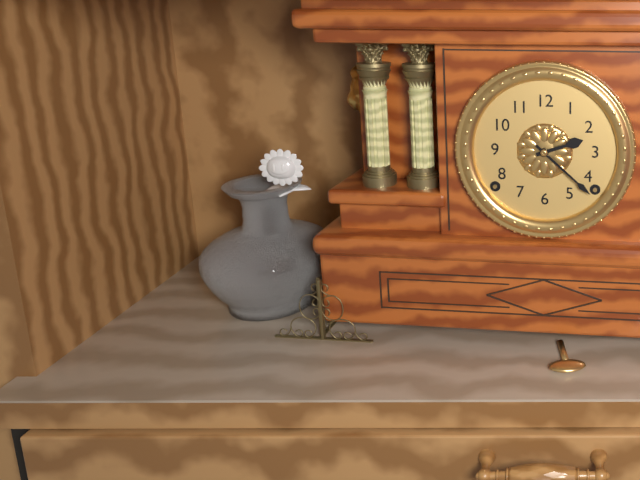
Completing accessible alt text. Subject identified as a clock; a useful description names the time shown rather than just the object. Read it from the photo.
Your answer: 2:22
